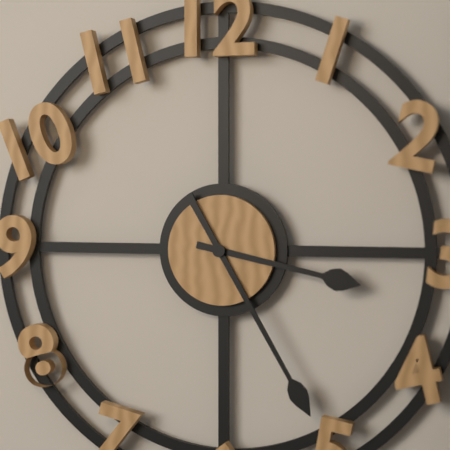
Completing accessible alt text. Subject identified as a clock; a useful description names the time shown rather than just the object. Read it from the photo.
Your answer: 3:25
